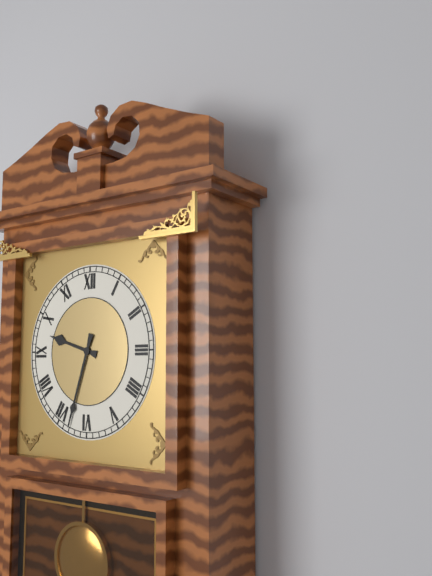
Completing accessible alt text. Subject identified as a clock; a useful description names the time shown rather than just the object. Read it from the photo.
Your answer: 9:33
